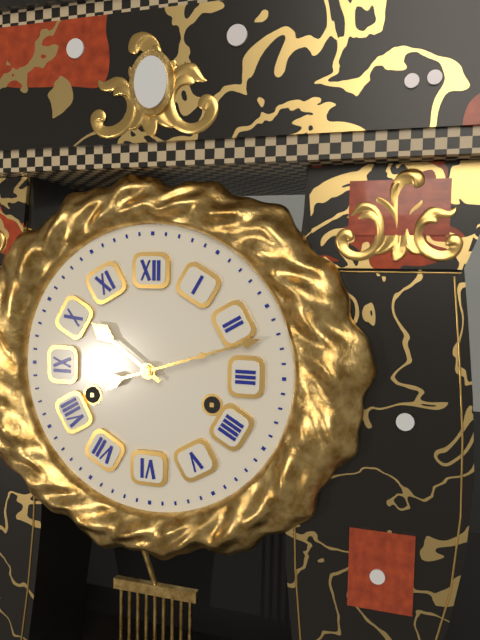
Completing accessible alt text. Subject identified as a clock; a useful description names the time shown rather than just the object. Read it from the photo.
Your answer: 10:12
